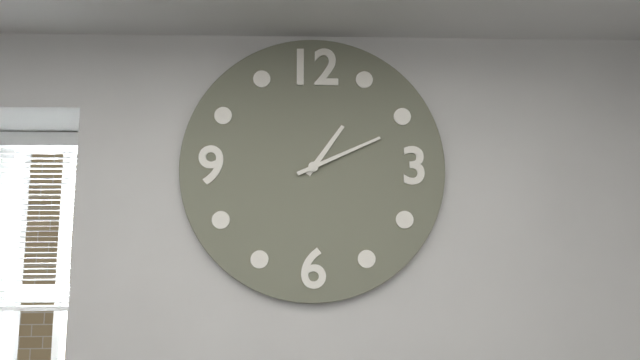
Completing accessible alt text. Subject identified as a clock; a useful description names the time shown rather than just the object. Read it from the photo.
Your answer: 1:11
